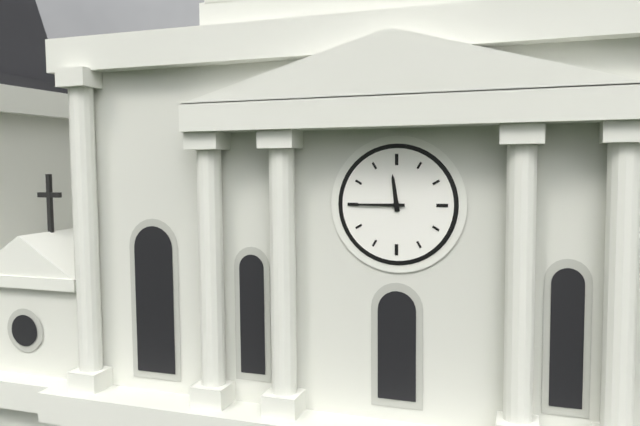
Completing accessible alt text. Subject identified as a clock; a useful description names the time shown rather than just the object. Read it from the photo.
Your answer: 11:45
